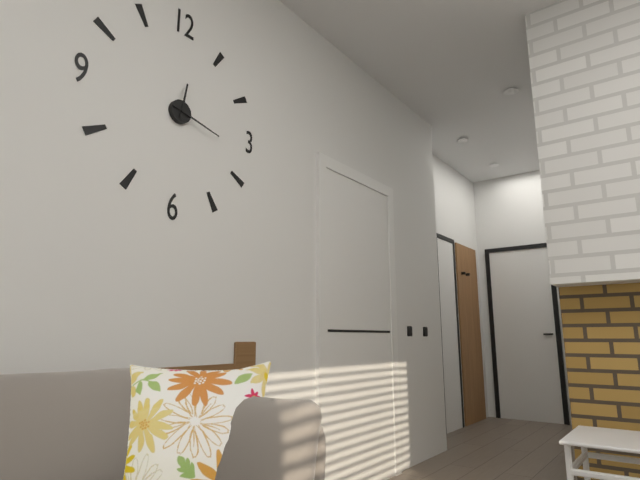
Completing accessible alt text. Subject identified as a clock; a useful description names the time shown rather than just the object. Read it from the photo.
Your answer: 12:17
